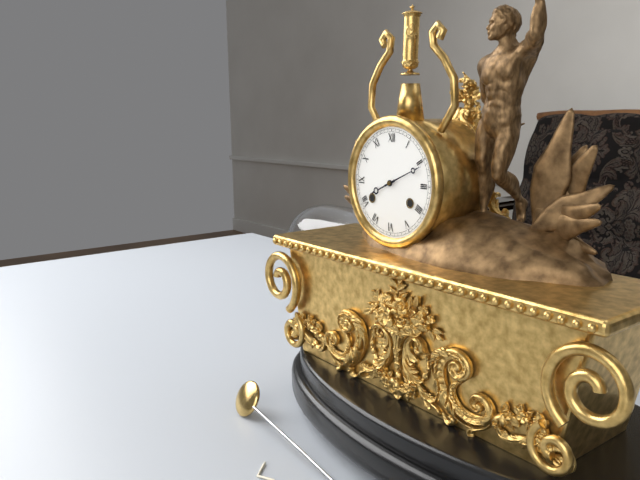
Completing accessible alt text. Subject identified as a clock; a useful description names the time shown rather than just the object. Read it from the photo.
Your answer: 8:11
